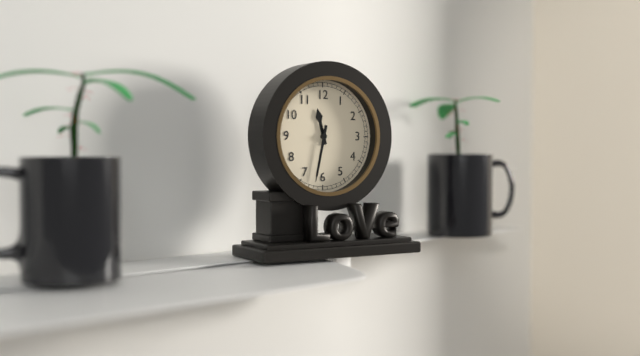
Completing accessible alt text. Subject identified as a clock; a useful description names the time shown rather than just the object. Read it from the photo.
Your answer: 11:32
